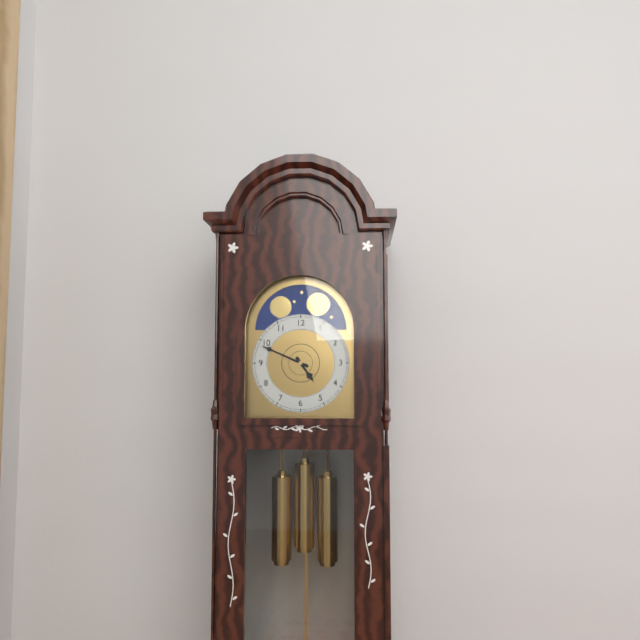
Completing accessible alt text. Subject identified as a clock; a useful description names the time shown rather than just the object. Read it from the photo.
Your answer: 4:49
